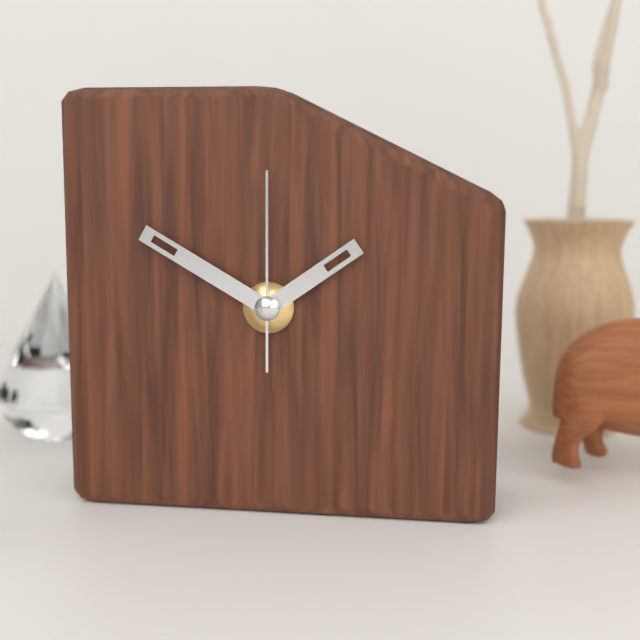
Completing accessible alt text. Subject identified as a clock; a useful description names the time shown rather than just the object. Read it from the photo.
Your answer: 1:50:00
